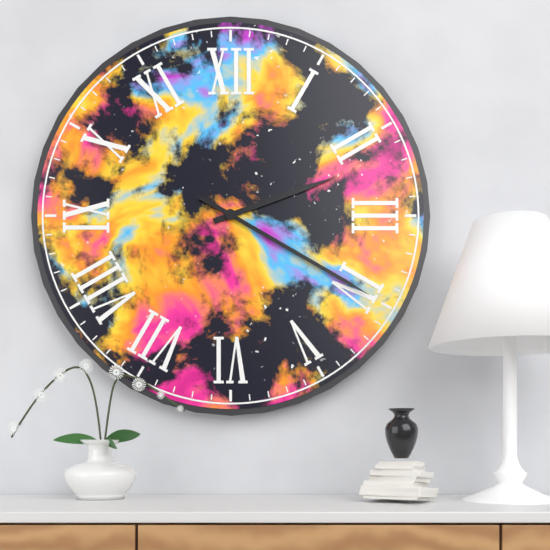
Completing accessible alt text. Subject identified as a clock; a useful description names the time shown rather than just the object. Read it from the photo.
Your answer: 2:20
